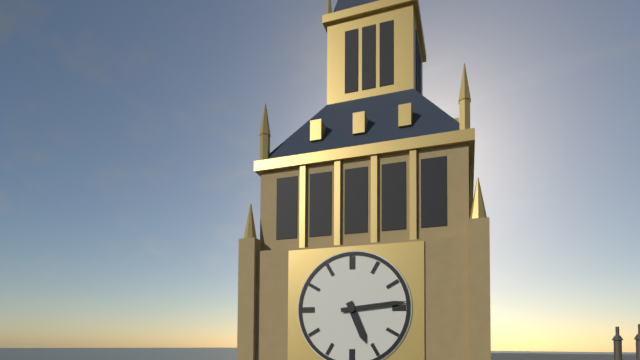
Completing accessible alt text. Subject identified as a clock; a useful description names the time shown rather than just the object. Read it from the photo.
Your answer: 5:14
